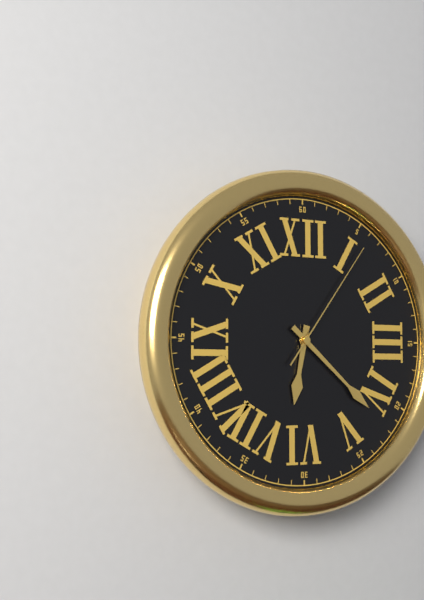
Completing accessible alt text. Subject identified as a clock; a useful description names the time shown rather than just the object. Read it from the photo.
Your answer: 6:22:06
